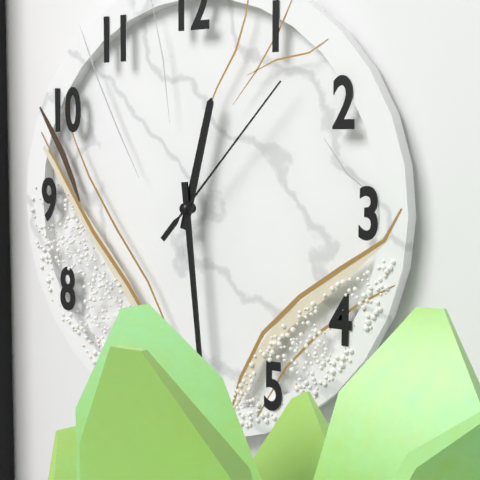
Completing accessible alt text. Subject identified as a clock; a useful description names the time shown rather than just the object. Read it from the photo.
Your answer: 12:29:07
